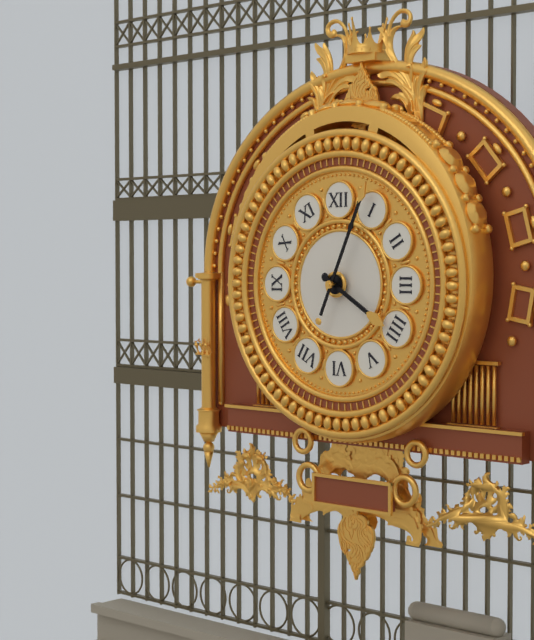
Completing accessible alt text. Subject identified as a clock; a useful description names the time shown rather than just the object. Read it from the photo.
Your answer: 4:04
